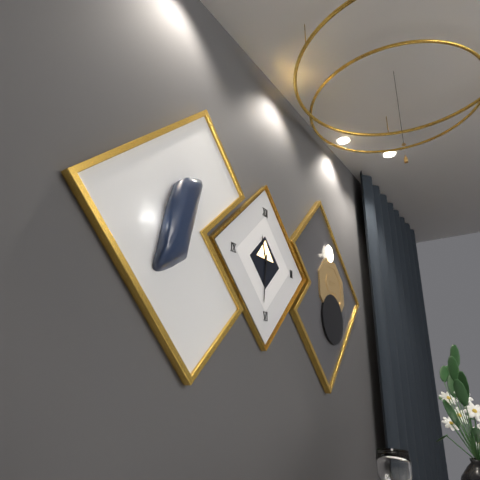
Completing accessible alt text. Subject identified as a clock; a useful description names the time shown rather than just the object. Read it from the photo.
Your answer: 11:31
